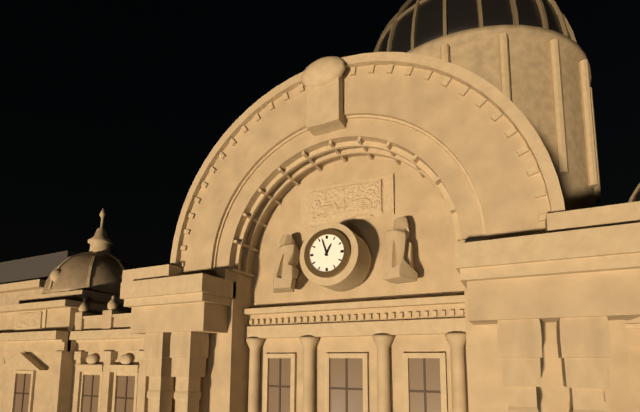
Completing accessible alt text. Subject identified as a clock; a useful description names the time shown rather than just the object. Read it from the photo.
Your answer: 12:57
